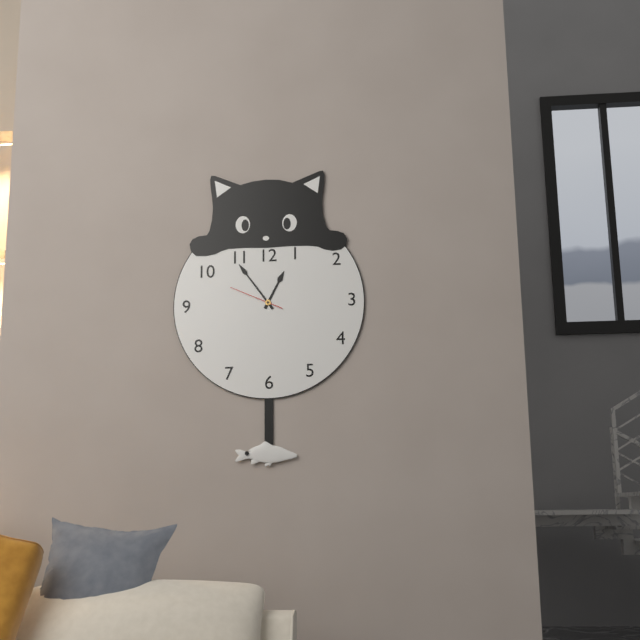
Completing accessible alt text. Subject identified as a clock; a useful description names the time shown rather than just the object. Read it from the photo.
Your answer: 12:54:49
